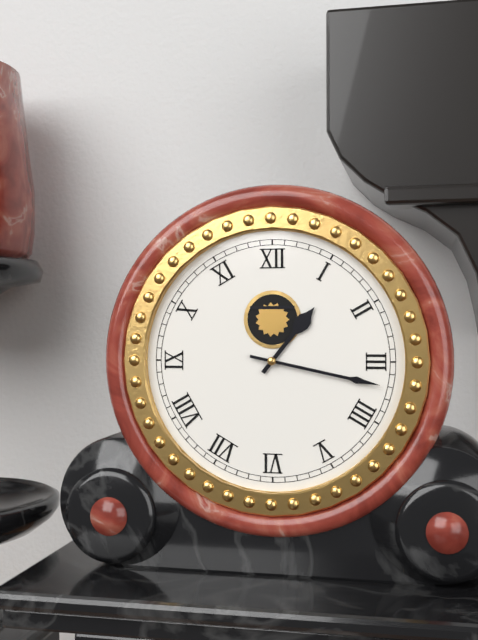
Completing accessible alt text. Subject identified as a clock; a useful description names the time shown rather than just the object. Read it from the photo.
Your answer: 1:17
